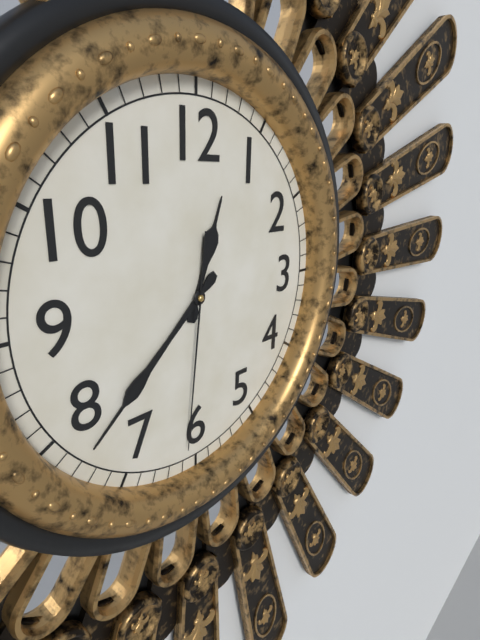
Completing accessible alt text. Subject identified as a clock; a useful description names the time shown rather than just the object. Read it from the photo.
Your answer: 12:38:31
